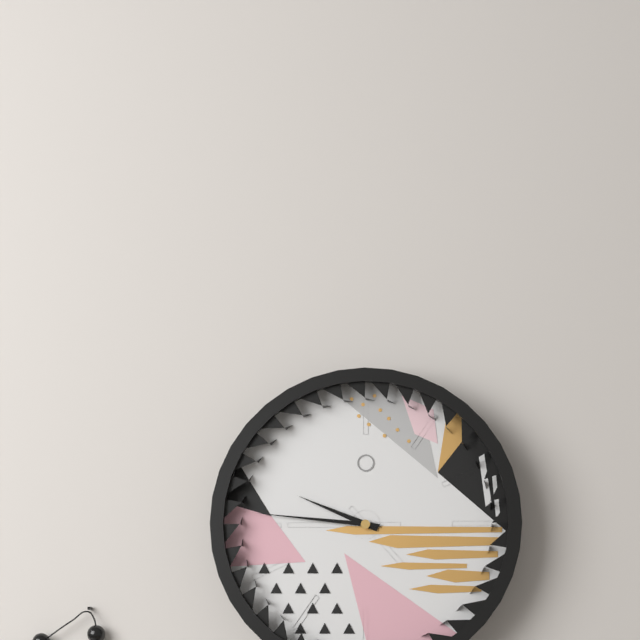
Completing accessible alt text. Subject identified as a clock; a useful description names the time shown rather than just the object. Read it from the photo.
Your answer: 9:46
